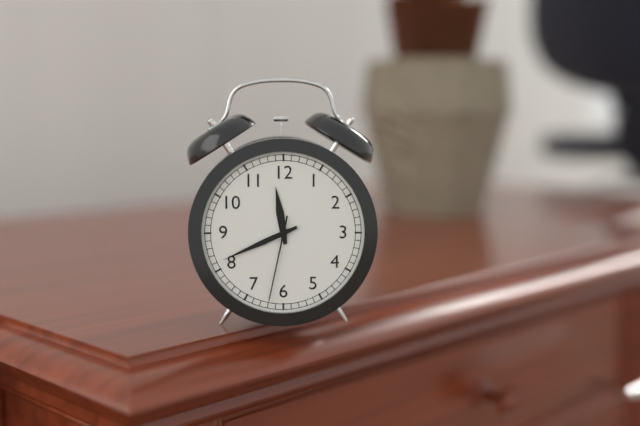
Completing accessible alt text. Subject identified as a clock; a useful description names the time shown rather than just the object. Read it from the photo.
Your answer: 11:41:32
